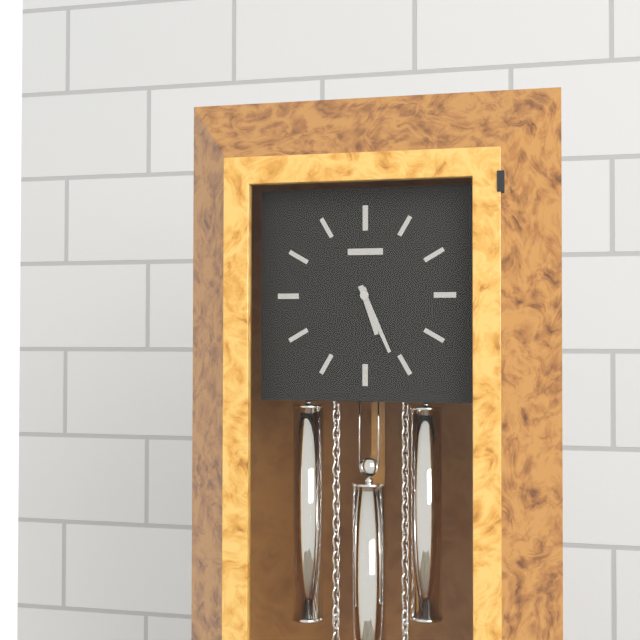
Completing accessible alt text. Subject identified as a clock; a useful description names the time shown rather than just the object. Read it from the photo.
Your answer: 5:26
